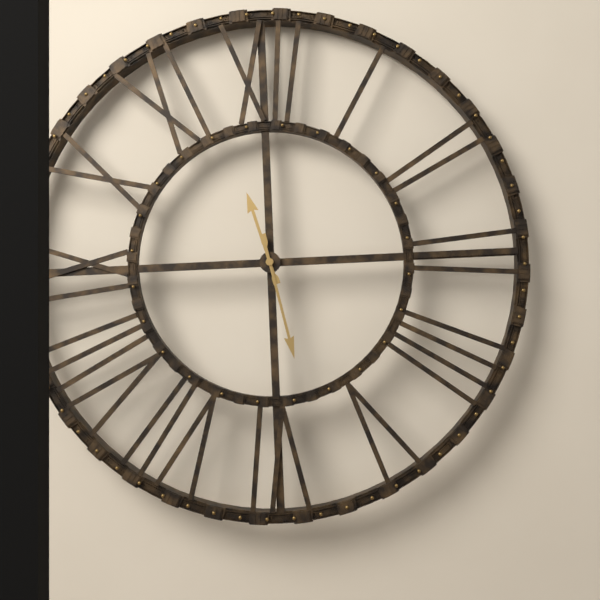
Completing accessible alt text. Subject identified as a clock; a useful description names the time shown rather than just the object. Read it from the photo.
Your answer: 11:28
